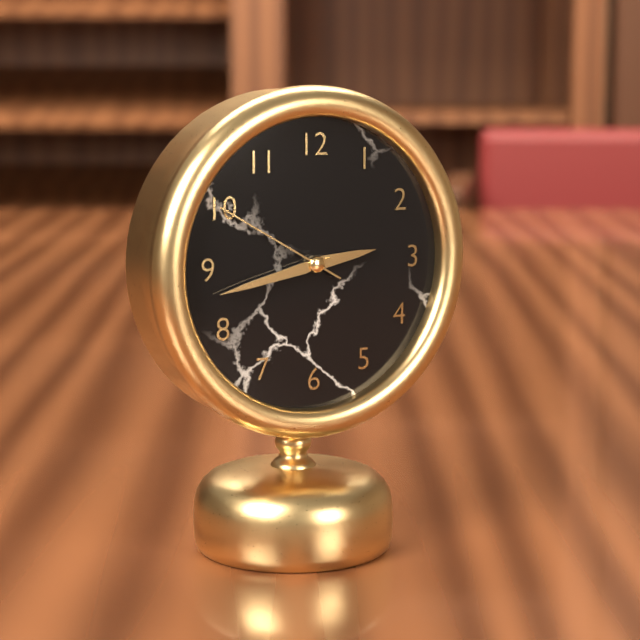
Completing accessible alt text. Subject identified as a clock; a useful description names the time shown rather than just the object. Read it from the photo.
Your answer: 2:43:50
